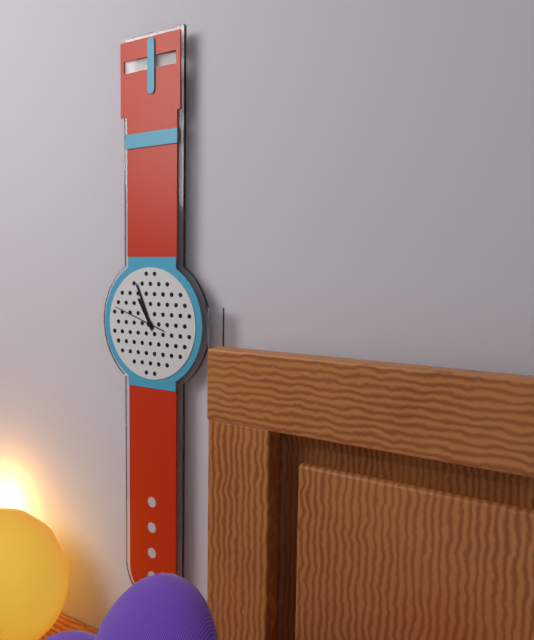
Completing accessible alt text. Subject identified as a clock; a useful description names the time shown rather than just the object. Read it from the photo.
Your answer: 10:56:48
